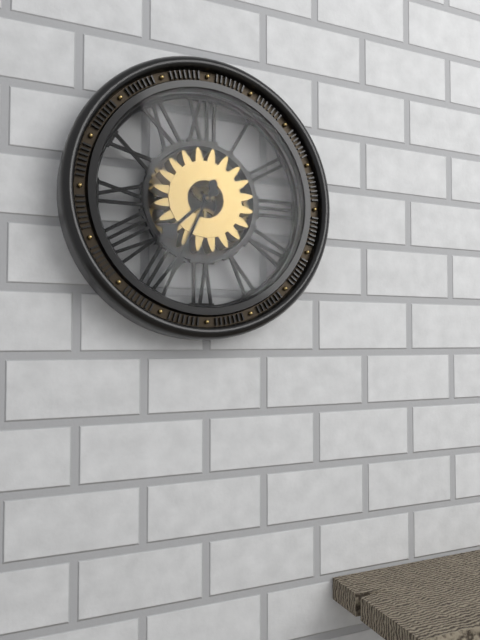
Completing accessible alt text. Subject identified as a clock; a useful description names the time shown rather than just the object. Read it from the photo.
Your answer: 7:34
